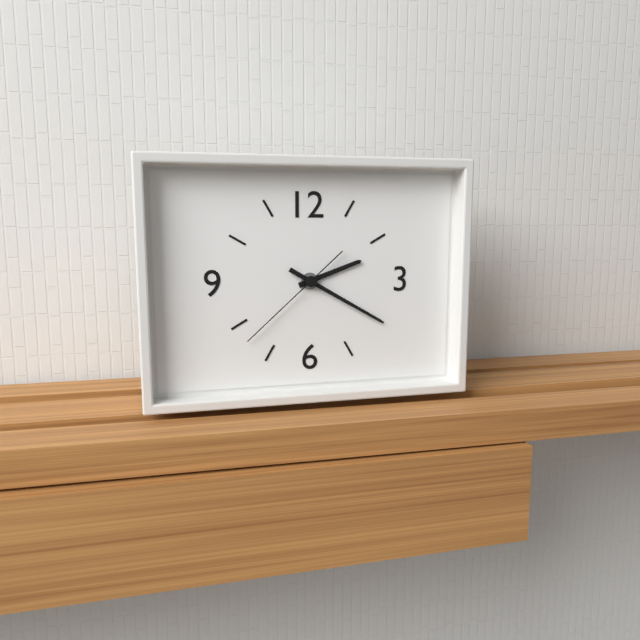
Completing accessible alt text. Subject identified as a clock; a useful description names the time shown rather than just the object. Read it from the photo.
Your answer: 2:20:38
